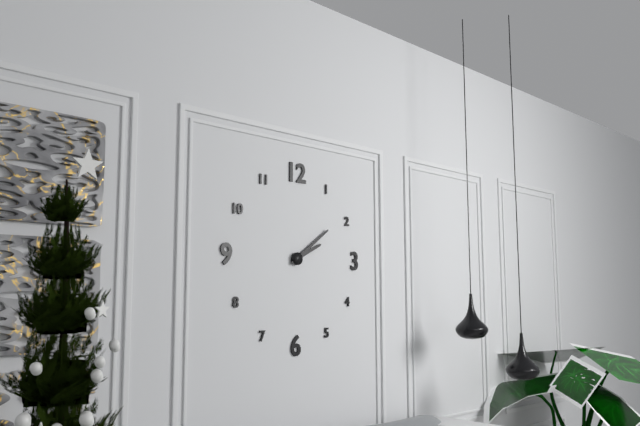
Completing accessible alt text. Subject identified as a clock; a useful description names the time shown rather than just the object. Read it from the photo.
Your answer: 2:09
